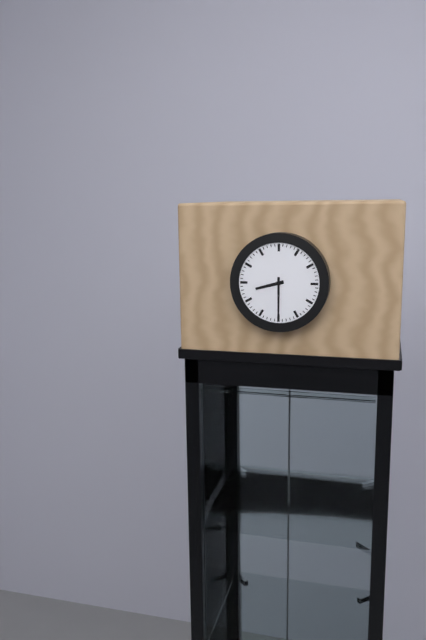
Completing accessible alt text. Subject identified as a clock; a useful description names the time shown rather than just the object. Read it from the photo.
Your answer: 8:30
